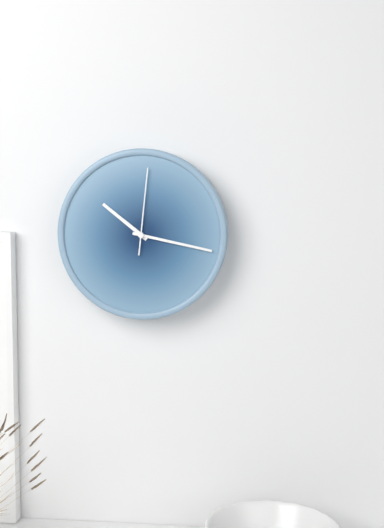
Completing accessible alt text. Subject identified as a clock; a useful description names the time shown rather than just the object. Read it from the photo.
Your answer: 10:17:01
